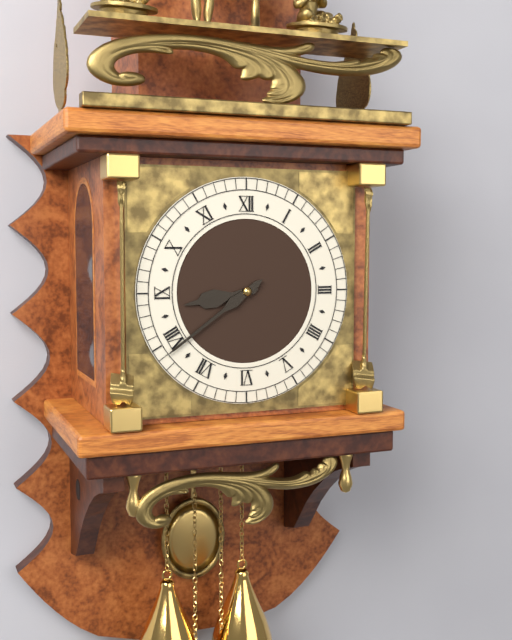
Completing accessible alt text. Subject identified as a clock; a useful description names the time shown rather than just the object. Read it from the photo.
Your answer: 8:39
